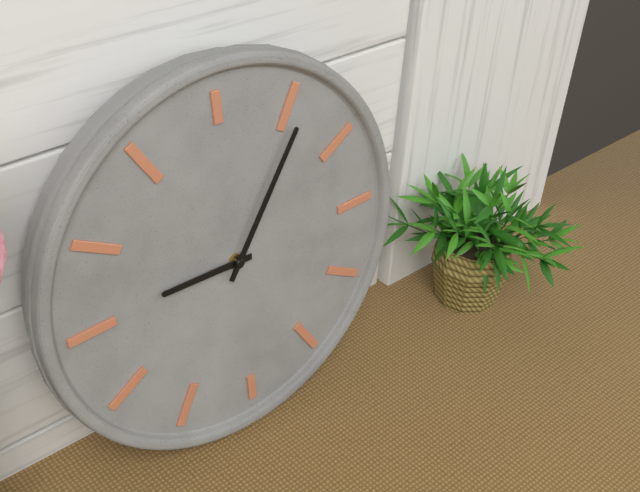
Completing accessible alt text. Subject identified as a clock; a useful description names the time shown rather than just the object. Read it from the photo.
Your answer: 9:06
